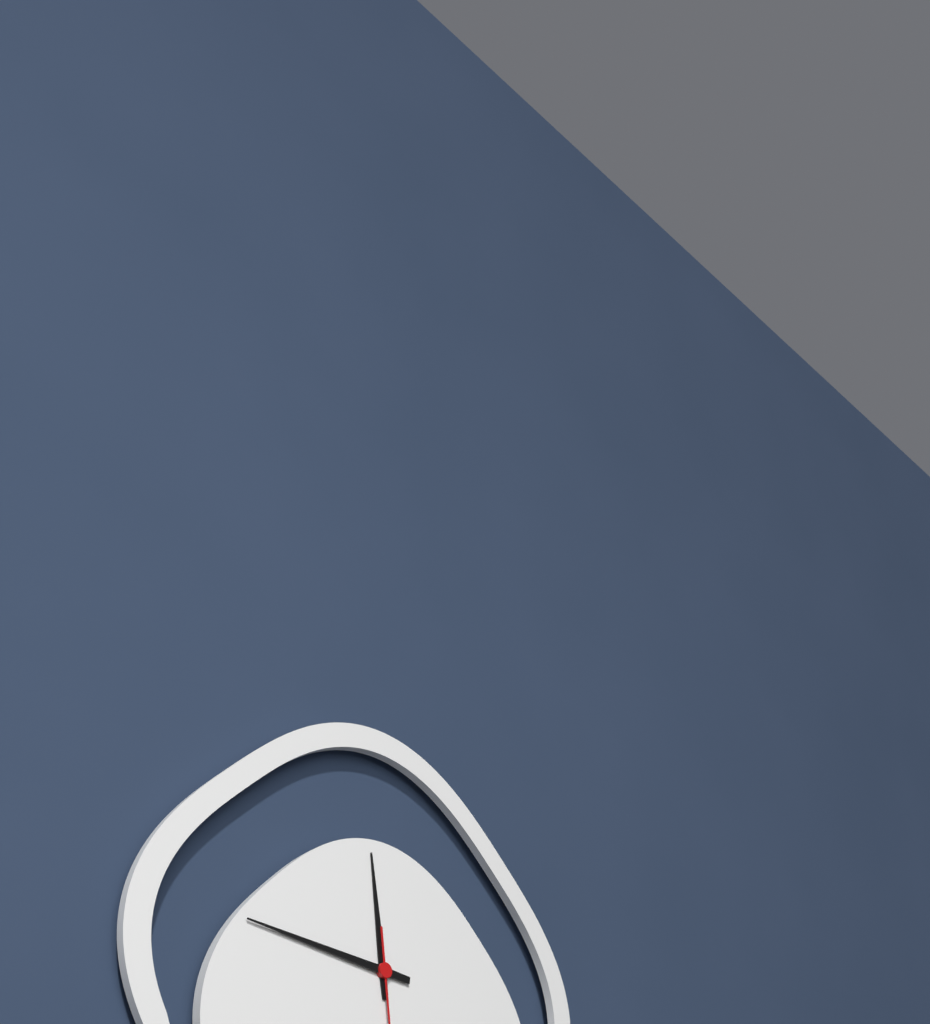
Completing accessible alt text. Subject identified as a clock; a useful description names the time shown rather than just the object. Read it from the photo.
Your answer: 11:46
